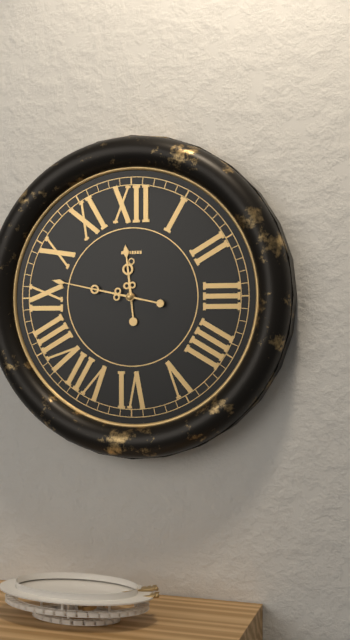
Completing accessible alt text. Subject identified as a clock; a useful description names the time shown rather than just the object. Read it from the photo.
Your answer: 11:47
